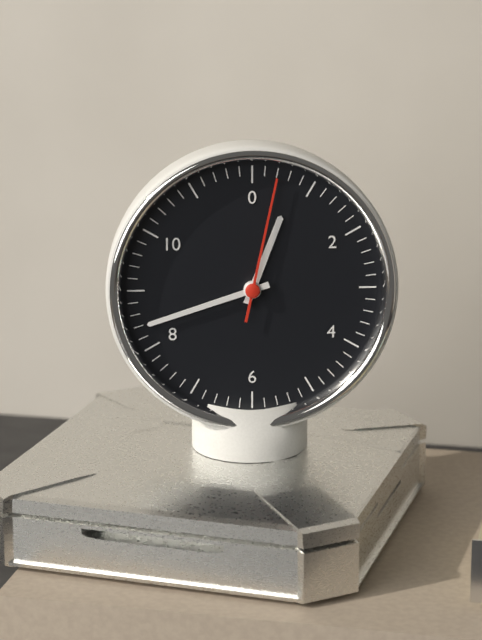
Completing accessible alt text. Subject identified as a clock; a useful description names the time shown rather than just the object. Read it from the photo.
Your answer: 12:42:02
